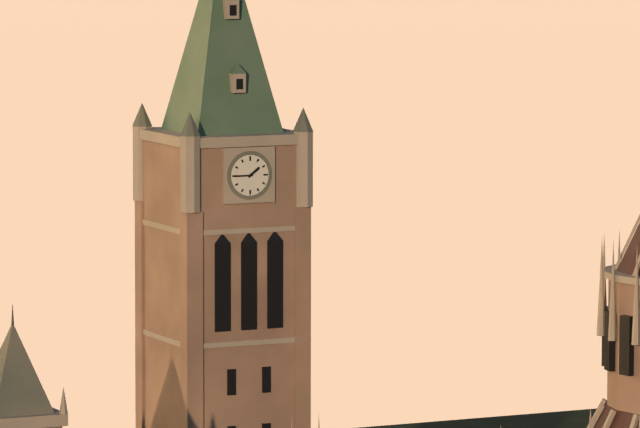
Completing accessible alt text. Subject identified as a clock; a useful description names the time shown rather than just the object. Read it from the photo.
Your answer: 1:45
